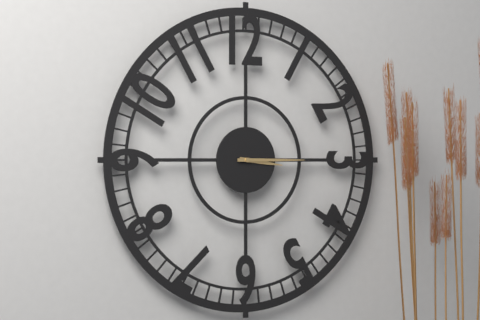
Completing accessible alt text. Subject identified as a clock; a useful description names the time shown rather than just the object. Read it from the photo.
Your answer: 3:15
